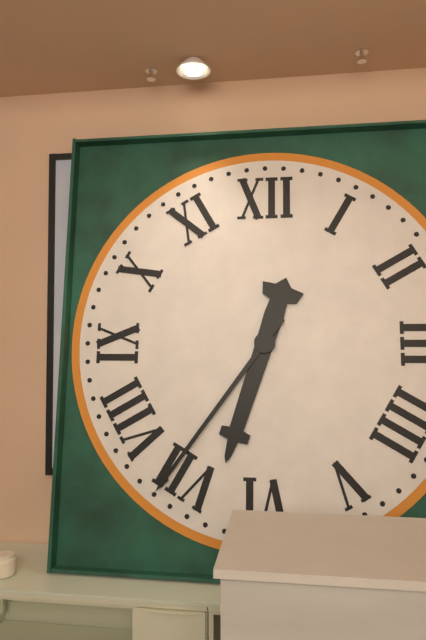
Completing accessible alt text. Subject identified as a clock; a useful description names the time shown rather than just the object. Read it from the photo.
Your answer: 6:36
